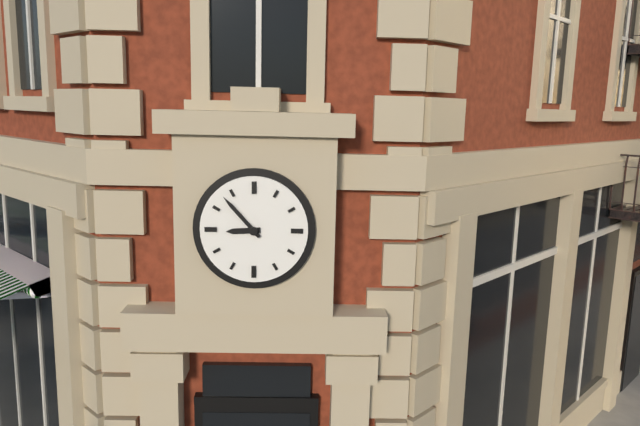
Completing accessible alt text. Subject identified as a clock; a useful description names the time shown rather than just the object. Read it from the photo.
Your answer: 8:53
